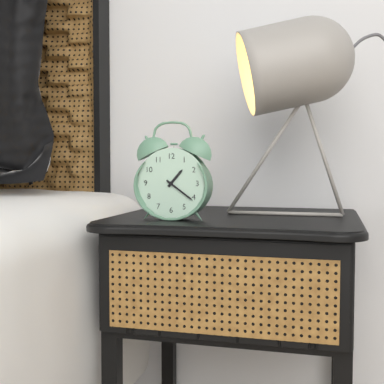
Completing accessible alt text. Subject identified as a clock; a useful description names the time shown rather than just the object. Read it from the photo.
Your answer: 1:21
